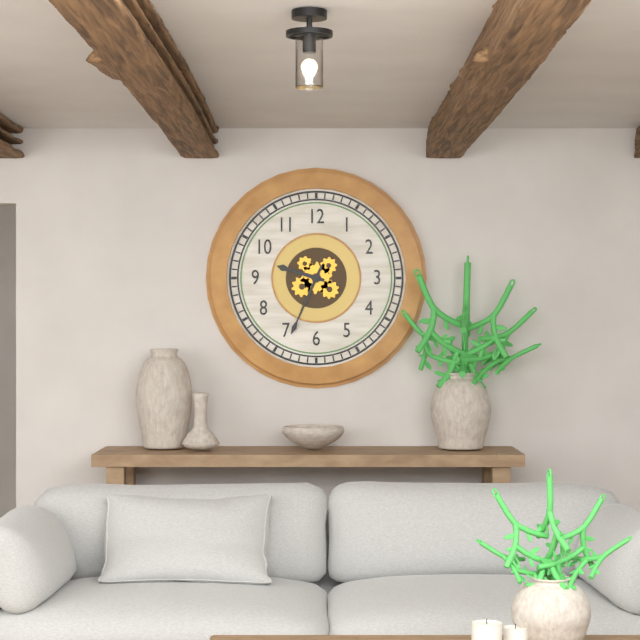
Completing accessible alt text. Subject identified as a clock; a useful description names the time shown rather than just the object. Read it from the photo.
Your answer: 9:34
